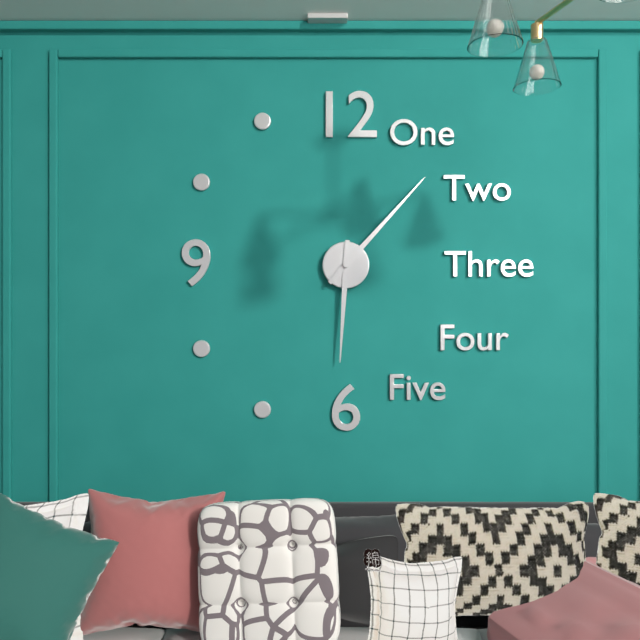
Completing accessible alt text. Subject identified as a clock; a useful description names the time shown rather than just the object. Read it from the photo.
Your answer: 6:07
